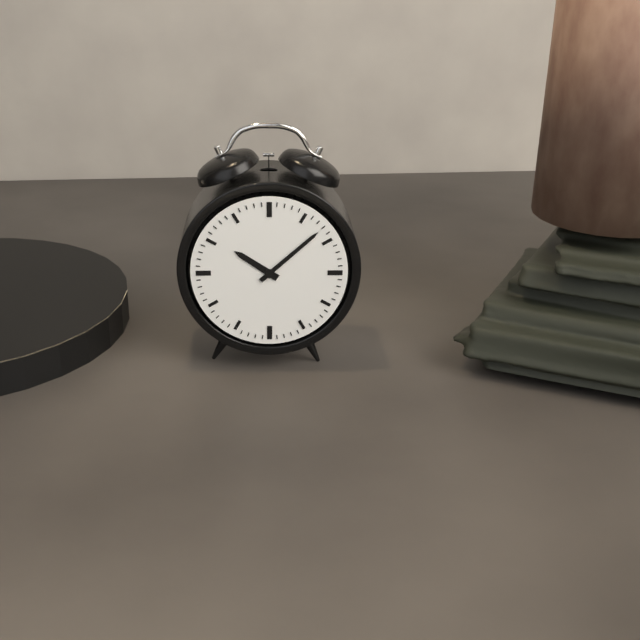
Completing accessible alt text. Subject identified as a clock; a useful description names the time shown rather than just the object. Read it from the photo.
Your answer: 10:08
